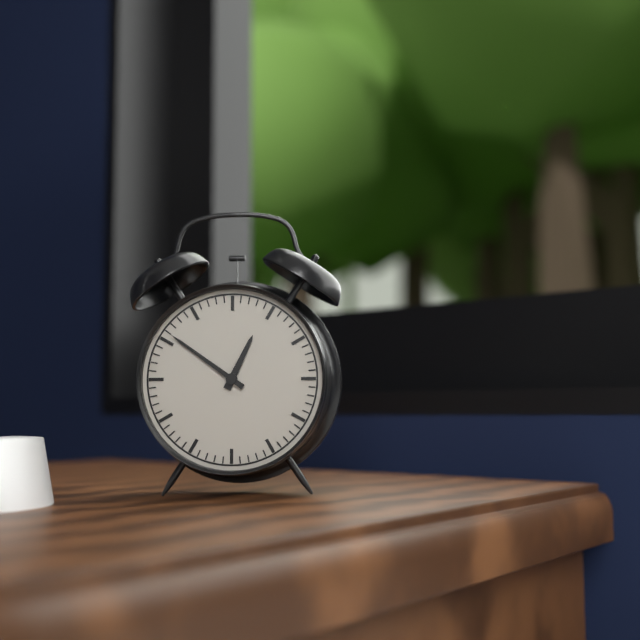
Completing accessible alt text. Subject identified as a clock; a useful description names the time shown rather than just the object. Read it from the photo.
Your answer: 12:51
